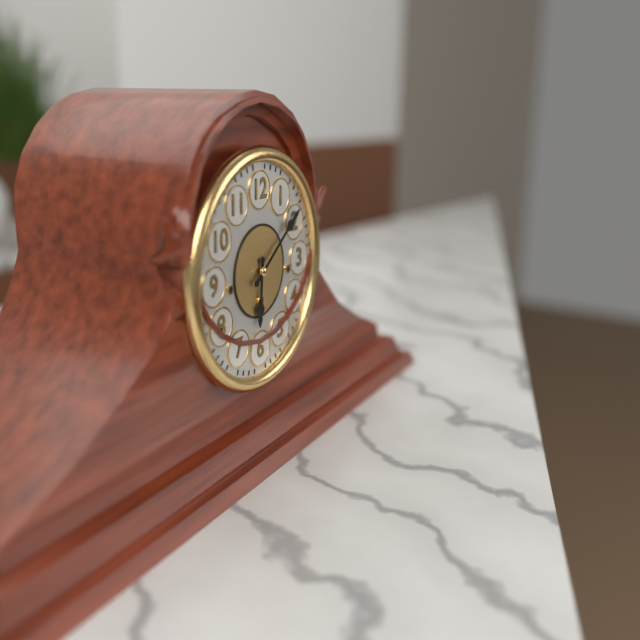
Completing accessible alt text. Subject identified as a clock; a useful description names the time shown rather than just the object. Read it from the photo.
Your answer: 6:09
